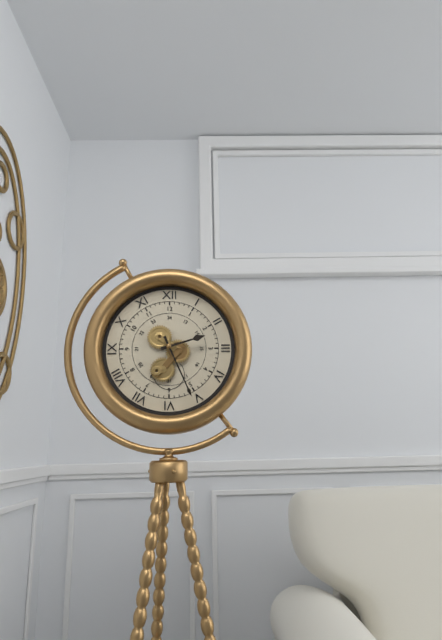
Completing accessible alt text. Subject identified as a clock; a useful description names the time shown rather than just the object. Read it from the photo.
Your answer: 2:26
